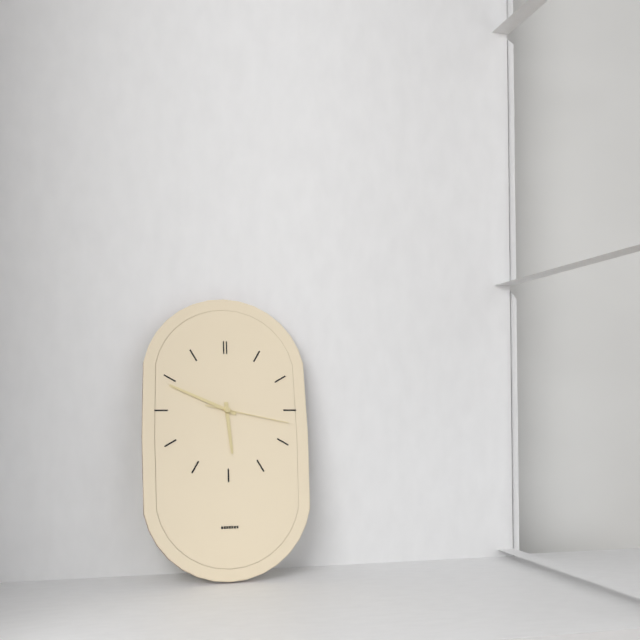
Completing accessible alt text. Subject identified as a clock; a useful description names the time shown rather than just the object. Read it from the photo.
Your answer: 5:49:17
